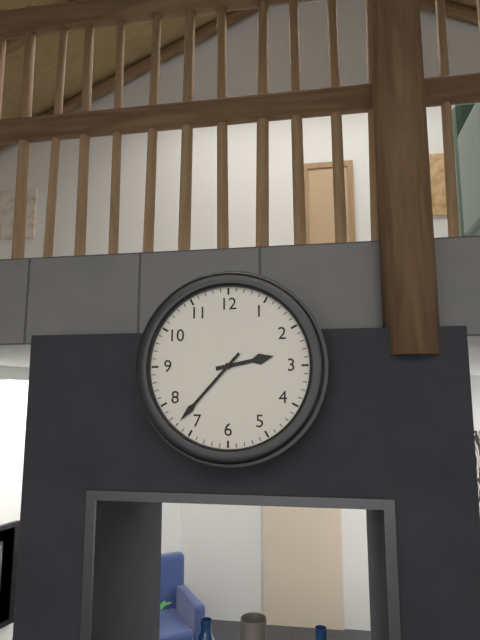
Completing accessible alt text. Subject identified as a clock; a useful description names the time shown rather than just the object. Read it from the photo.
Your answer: 2:37
